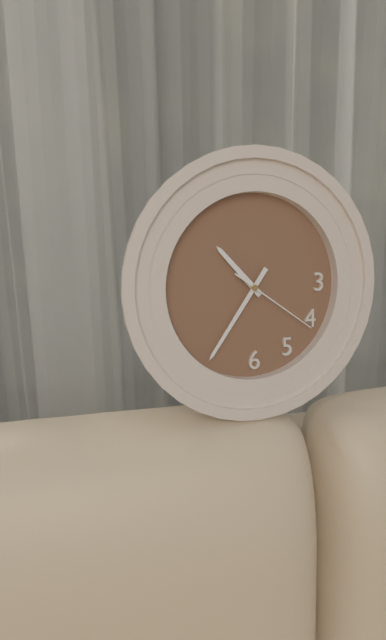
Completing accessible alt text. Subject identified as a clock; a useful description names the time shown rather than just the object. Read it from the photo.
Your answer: 10:36:21
